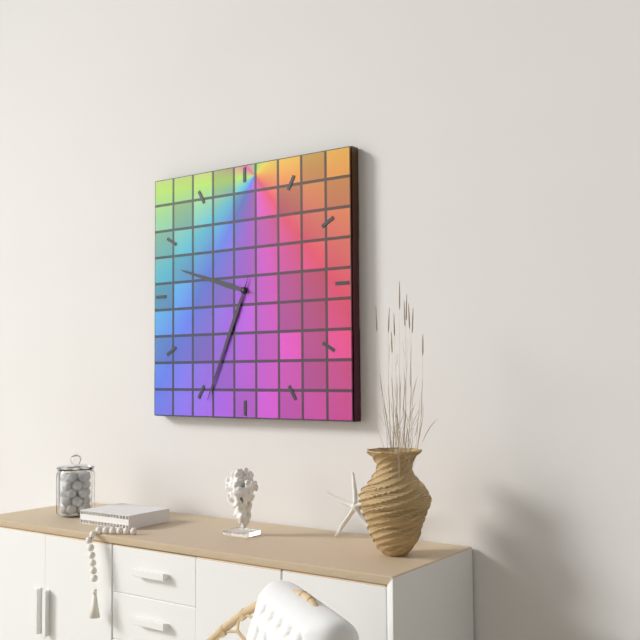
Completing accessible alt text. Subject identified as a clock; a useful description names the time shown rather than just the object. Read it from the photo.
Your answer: 9:34
